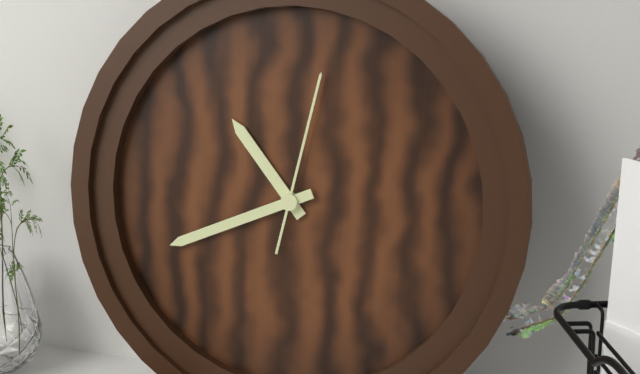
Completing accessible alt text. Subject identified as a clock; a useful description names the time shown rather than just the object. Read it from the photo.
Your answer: 10:41:02
